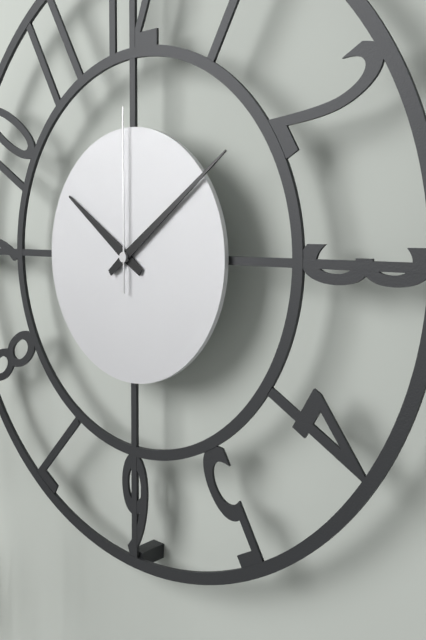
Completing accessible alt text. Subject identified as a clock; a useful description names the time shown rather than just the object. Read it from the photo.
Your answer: 10:09:00
